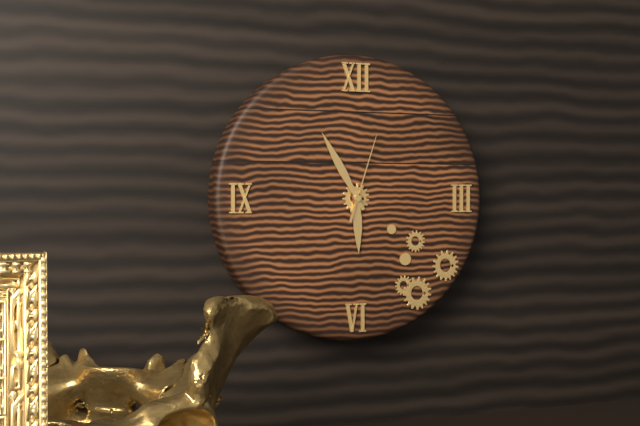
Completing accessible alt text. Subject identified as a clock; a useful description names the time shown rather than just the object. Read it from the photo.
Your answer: 5:55:03
